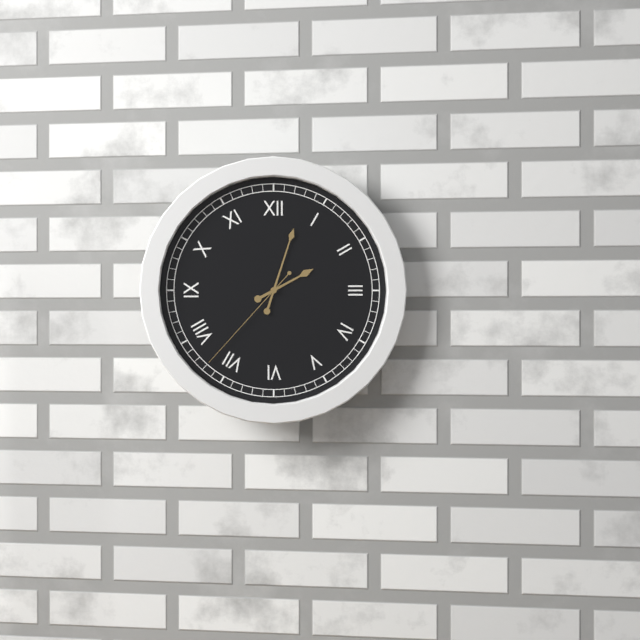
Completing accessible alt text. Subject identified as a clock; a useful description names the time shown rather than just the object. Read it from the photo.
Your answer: 2:03:37
